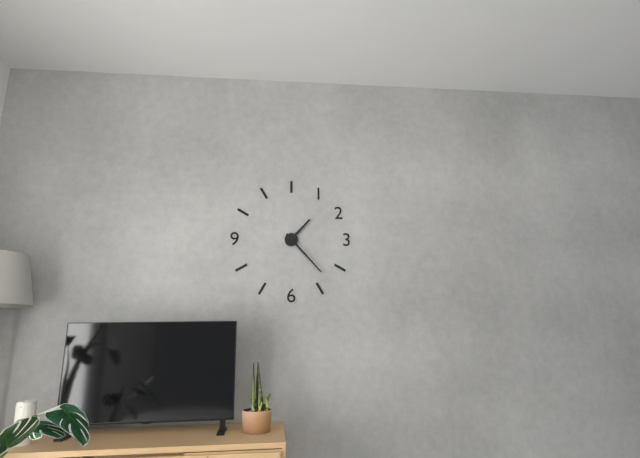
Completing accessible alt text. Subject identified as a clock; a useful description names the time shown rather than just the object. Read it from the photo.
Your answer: 1:23
